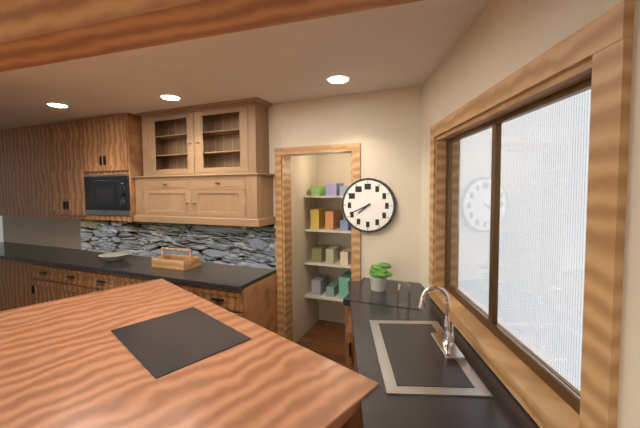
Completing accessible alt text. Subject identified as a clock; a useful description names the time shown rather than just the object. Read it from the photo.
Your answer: 7:41
